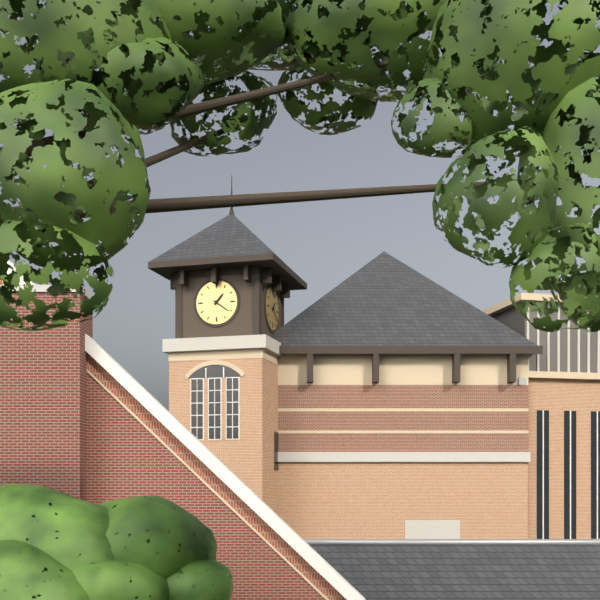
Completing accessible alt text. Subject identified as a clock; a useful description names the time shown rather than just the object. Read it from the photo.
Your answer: 1:21
